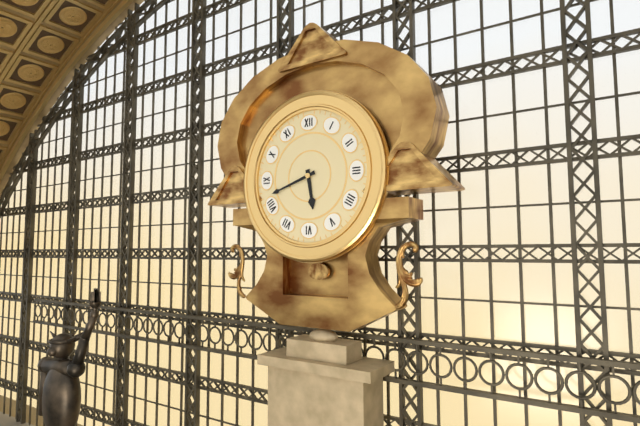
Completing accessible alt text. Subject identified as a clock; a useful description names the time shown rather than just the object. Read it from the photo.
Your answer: 5:42
